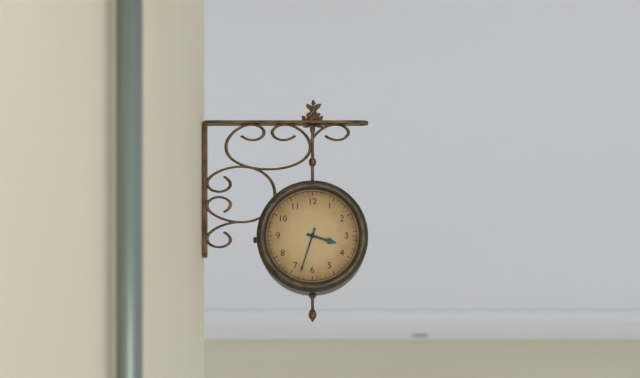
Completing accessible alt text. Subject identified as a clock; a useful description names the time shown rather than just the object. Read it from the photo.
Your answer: 3:33
